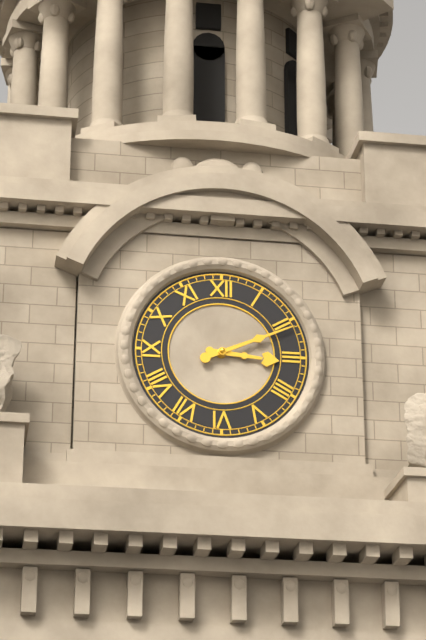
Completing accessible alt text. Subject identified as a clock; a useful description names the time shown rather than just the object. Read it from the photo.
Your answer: 3:11
